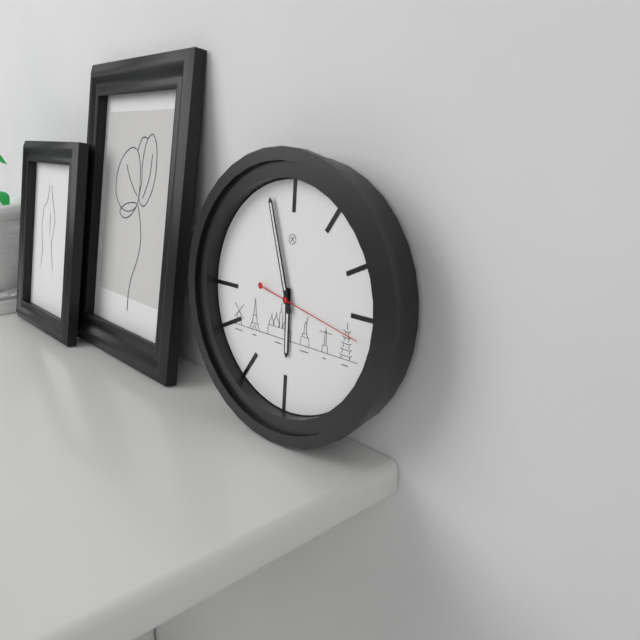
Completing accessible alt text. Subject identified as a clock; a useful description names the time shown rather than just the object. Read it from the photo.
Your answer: 5:57:17
